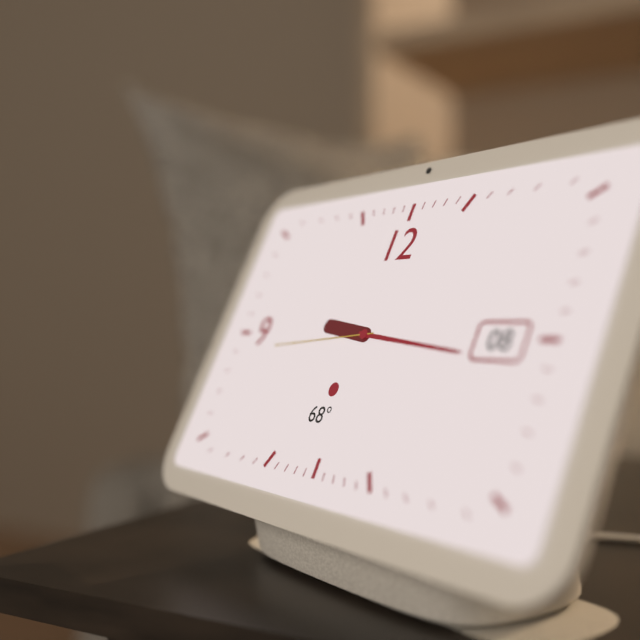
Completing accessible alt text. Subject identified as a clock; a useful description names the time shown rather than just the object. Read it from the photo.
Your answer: 9:16:44
